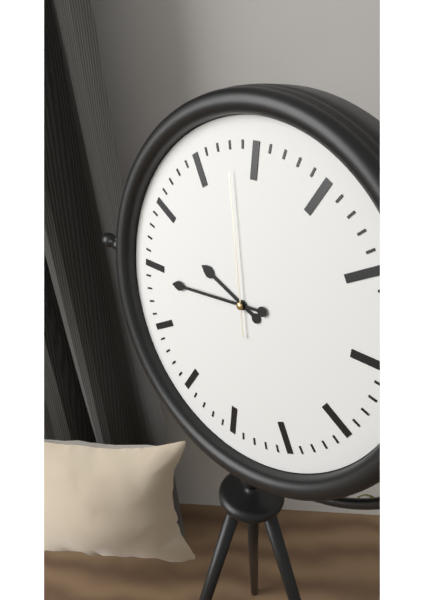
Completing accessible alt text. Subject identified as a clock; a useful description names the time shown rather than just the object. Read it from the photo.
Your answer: 9:44:58
